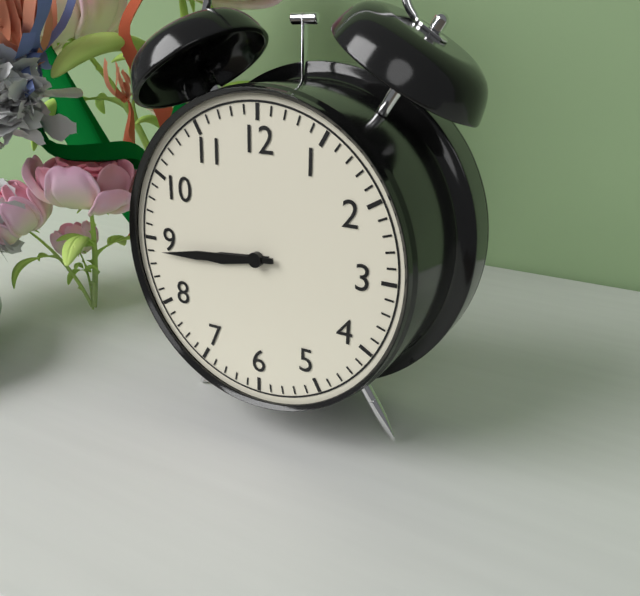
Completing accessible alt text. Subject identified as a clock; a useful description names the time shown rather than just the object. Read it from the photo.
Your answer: 8:44
